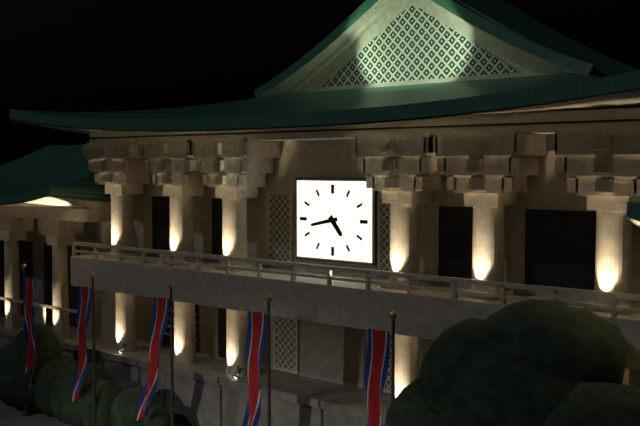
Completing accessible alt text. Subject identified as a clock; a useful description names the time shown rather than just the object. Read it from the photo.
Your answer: 4:43
